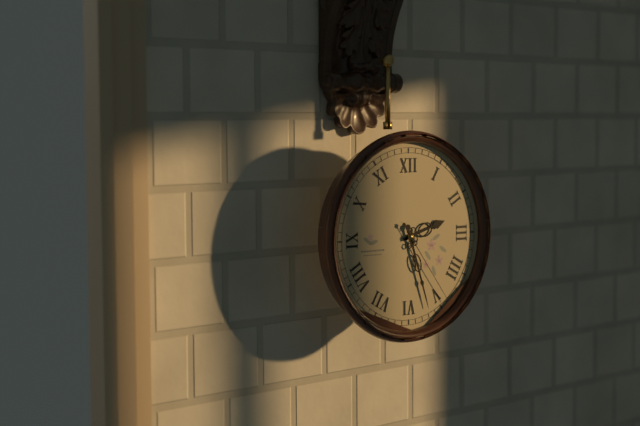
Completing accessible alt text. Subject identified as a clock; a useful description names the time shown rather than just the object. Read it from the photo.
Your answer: 2:27:24
